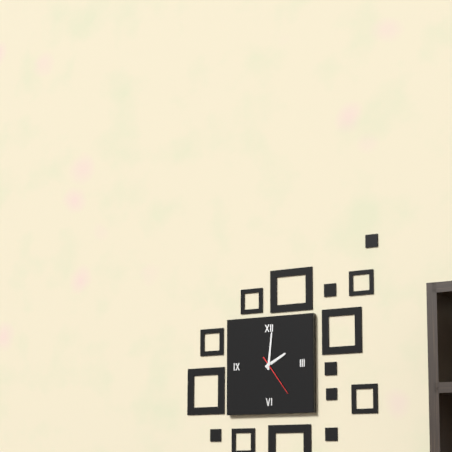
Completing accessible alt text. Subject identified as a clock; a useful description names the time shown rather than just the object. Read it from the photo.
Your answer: 2:01
